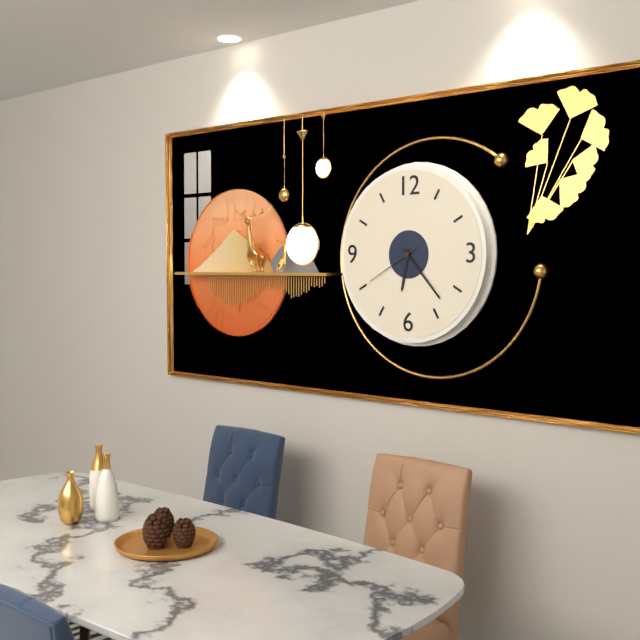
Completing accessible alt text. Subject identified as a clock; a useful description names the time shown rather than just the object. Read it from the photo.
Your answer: 6:23:40
